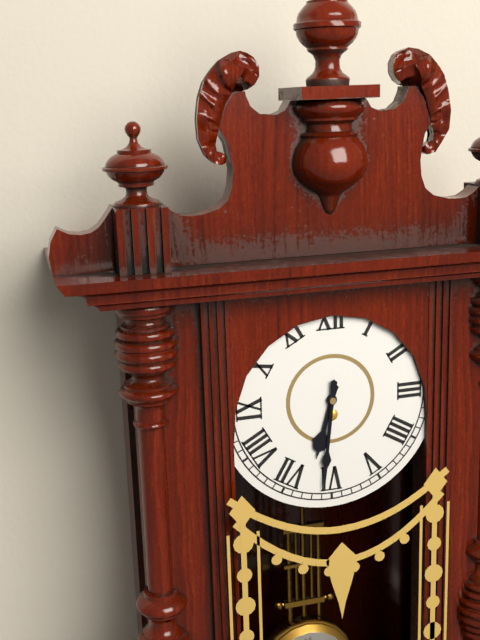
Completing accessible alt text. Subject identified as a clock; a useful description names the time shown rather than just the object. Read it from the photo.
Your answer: 6:31
